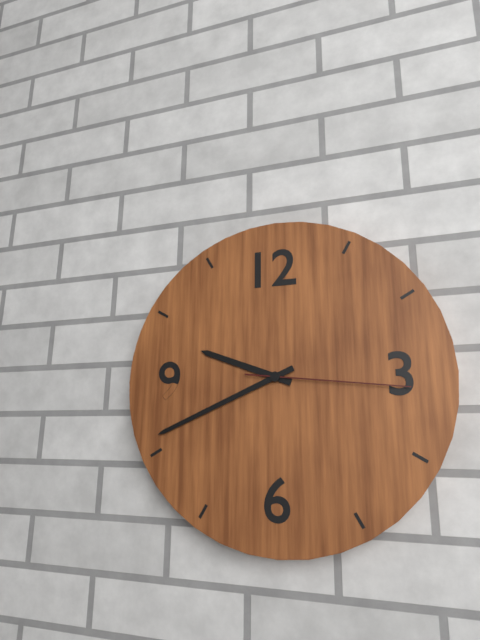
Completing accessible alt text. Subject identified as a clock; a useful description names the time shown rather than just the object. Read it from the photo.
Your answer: 9:41:16
